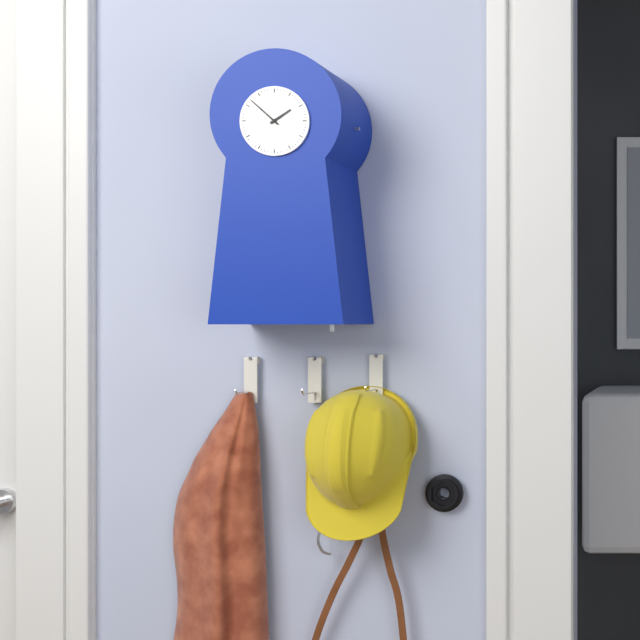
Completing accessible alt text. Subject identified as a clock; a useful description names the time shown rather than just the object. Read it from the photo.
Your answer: 1:52
